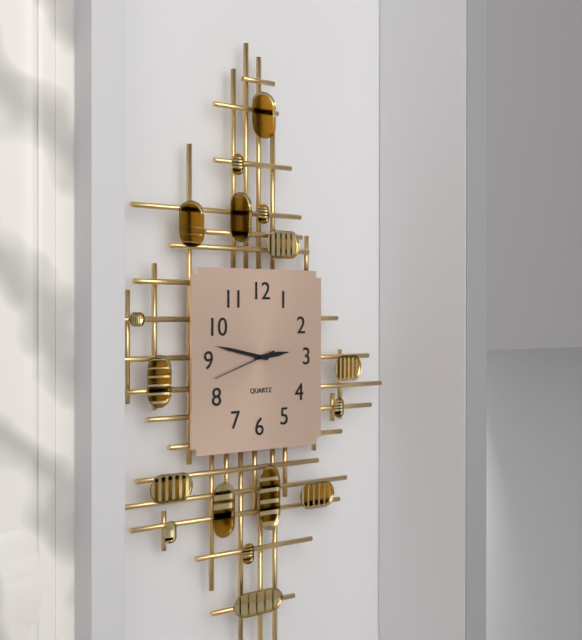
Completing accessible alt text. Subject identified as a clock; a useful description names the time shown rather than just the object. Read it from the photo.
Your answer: 2:47:42
